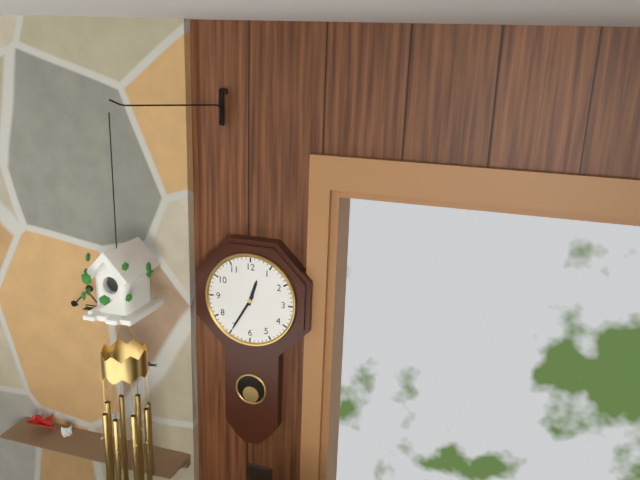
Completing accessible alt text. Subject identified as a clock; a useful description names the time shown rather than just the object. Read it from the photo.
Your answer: 12:35
